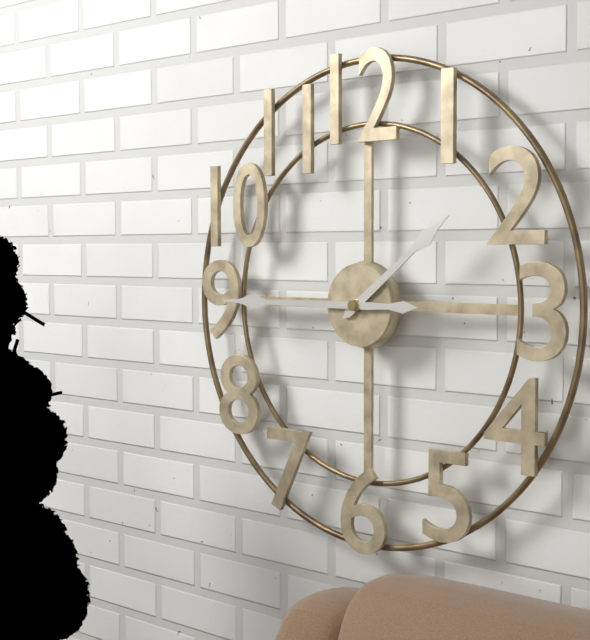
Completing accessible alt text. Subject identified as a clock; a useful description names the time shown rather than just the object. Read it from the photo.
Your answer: 1:45
